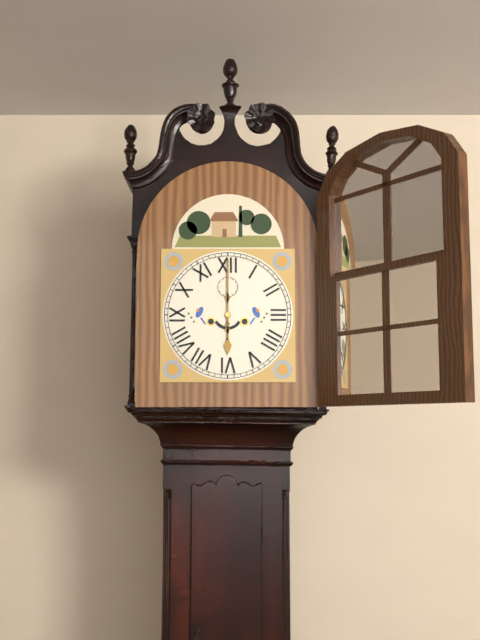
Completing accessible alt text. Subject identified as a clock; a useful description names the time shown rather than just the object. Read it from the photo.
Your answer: 6:00
